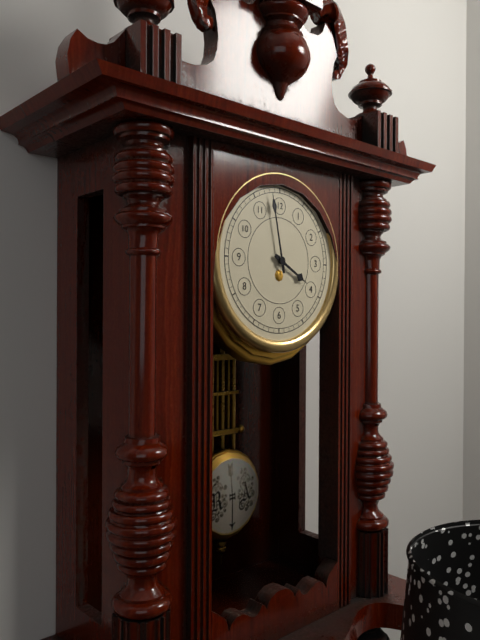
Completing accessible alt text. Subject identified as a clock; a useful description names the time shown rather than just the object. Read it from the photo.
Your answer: 3:58
